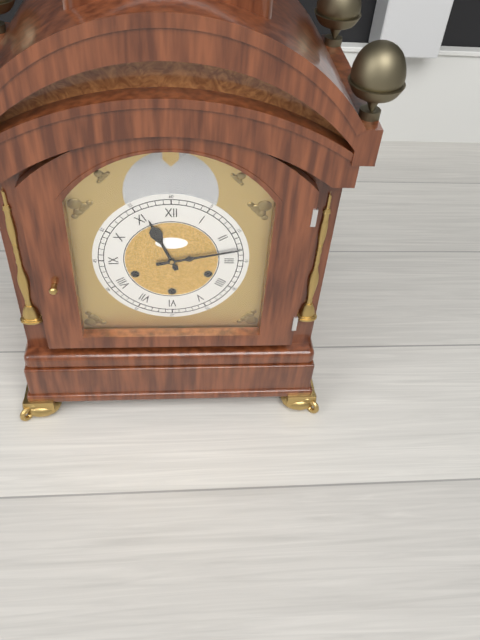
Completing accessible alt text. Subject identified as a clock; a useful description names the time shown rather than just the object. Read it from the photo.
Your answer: 11:13
